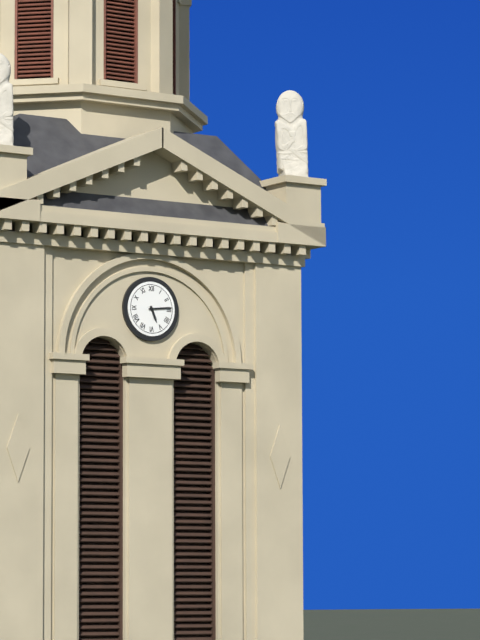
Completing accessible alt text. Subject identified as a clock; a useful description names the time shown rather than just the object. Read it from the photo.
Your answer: 5:14
